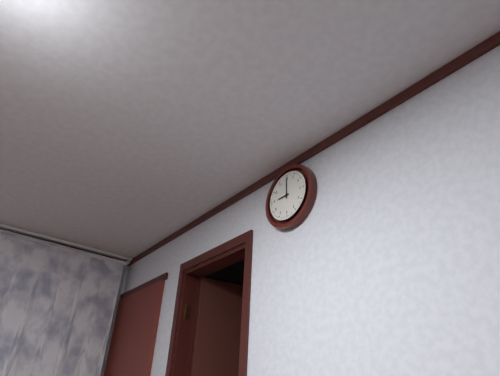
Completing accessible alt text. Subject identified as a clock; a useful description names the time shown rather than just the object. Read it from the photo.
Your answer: 9:00
